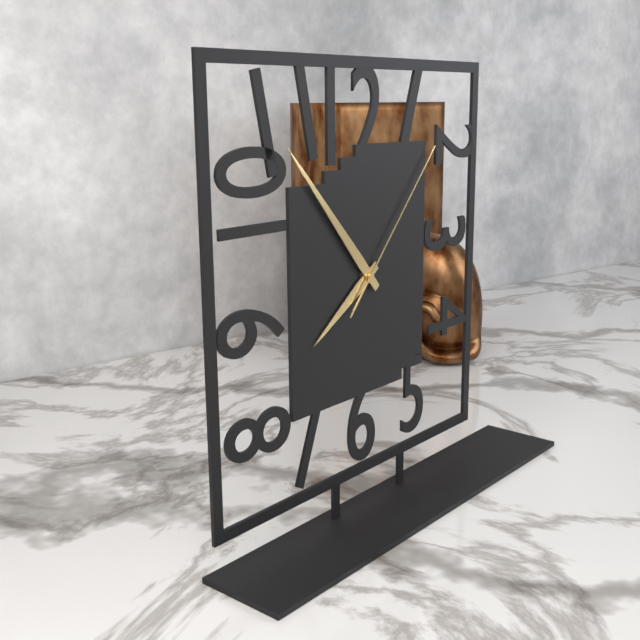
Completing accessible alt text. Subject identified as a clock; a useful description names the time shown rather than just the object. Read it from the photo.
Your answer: 7:53:07
